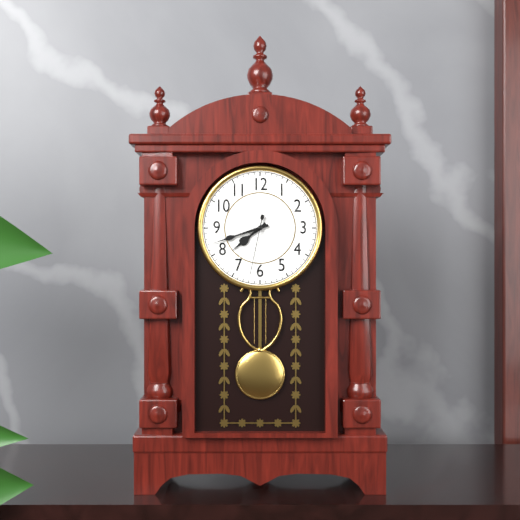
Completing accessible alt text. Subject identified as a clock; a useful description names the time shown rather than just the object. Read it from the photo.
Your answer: 7:42:32
